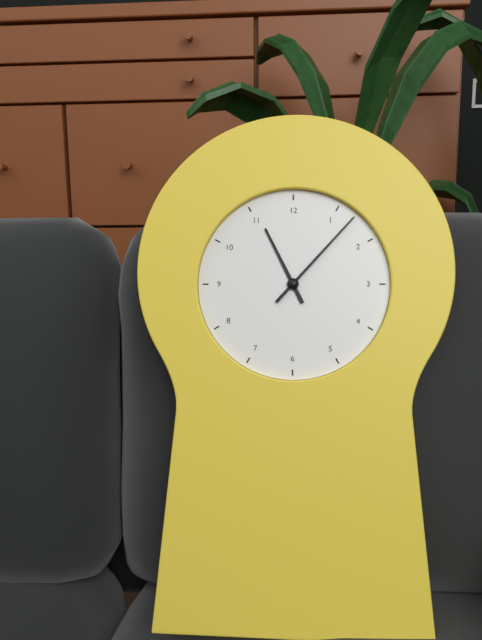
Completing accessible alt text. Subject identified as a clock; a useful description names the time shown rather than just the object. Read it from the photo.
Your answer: 11:07
